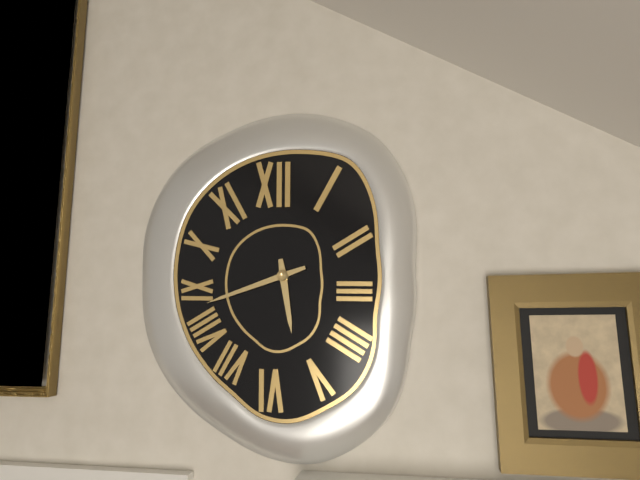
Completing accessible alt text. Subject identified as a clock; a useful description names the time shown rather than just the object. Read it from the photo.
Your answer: 5:42
